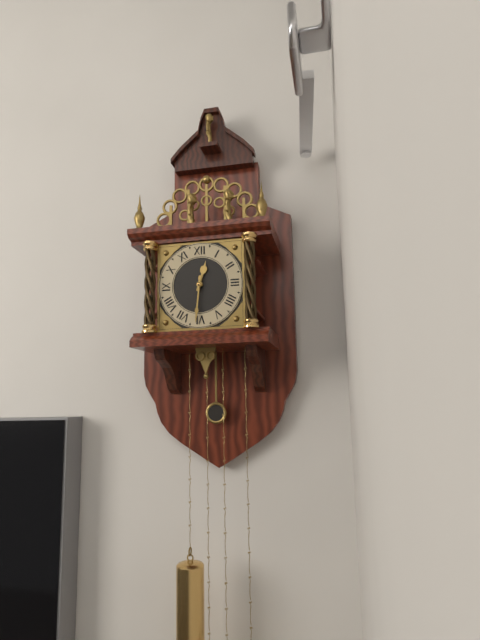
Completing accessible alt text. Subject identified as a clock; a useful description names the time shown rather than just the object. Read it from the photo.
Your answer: 12:31
